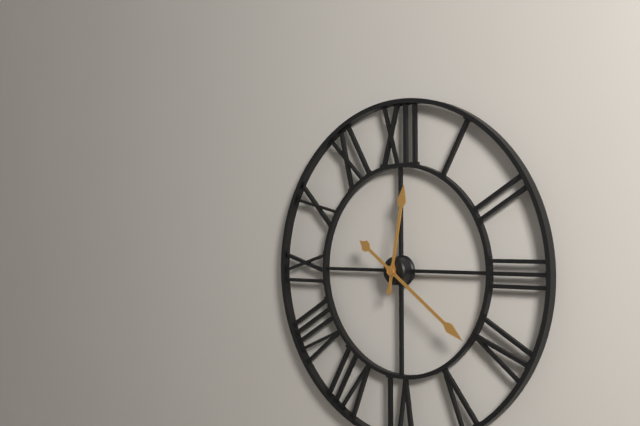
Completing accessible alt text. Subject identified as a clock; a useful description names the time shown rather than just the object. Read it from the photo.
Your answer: 12:21
